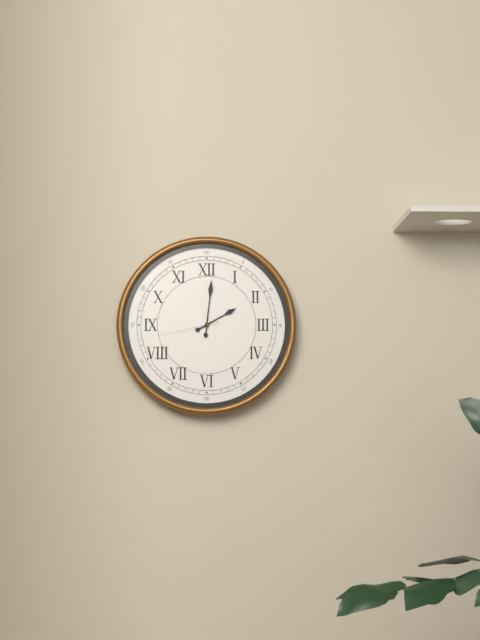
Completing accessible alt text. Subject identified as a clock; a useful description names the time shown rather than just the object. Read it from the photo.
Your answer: 2:01:43
